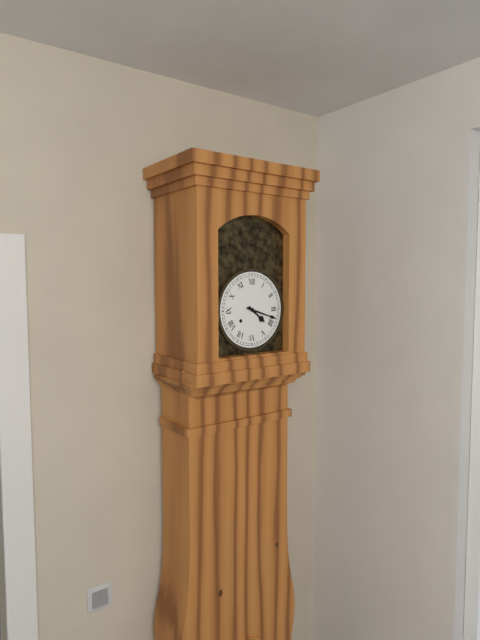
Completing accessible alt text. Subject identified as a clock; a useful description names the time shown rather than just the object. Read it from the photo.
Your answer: 4:18
